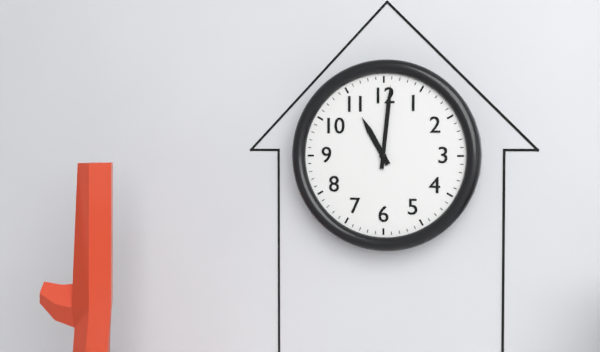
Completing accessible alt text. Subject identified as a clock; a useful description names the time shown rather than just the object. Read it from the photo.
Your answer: 11:01
